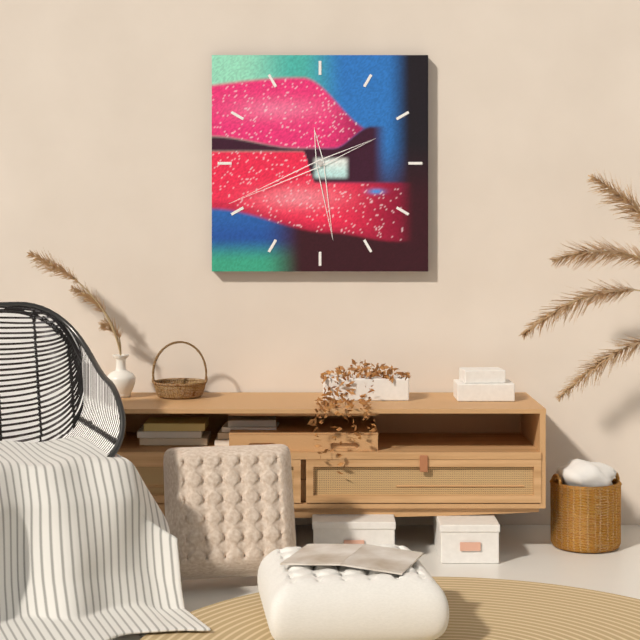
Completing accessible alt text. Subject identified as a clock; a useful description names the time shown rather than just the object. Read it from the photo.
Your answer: 5:41
